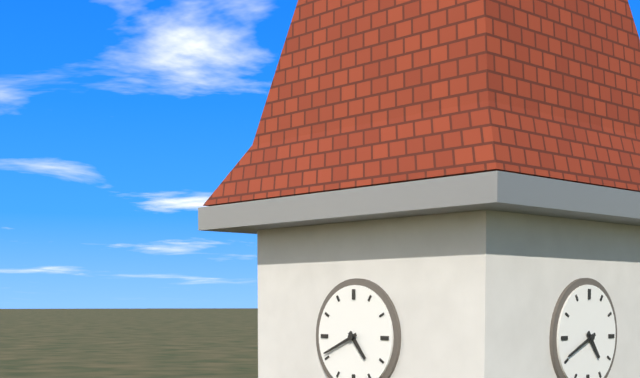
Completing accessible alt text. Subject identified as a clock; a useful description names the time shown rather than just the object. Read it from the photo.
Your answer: 4:41
